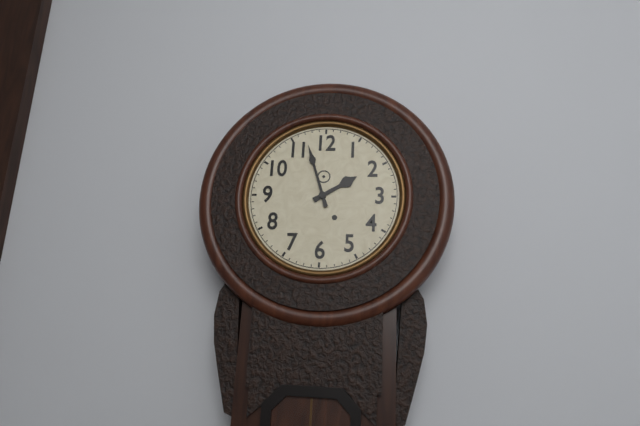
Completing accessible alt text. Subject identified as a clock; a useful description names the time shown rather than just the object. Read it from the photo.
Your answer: 1:57
